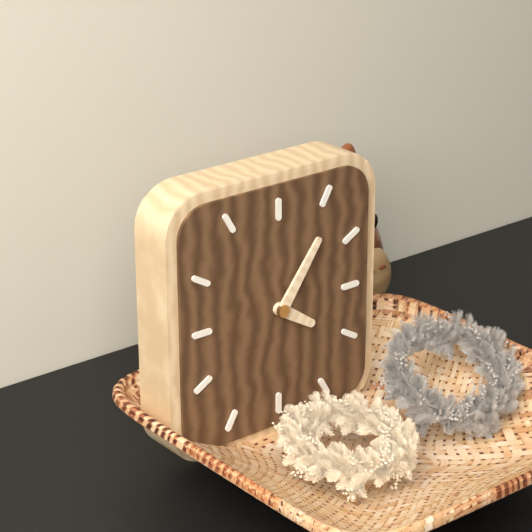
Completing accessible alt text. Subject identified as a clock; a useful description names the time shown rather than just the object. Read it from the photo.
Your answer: 4:06
